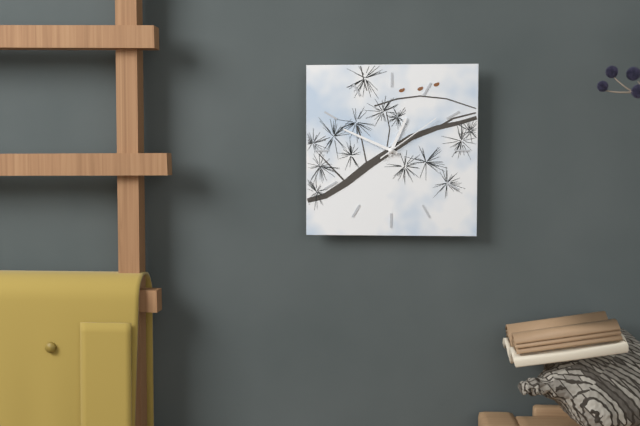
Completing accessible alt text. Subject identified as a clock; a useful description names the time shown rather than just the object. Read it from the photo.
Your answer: 12:49:09
